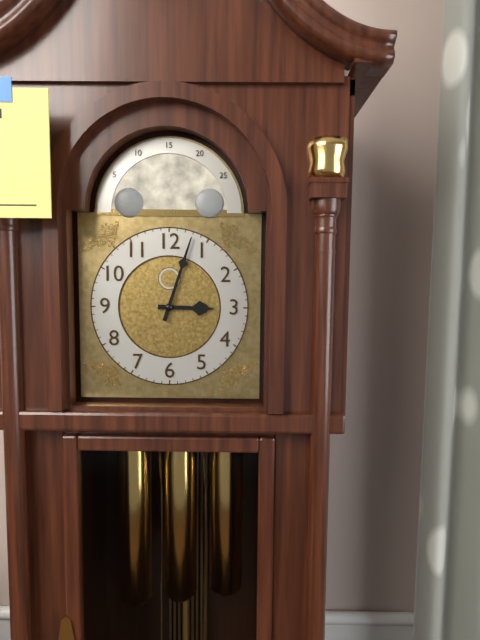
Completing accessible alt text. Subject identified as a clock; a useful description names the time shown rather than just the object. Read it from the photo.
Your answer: 3:03
